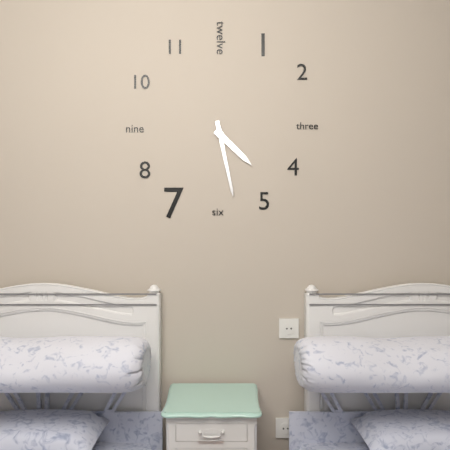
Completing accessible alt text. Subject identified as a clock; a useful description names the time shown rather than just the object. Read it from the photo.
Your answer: 4:28
